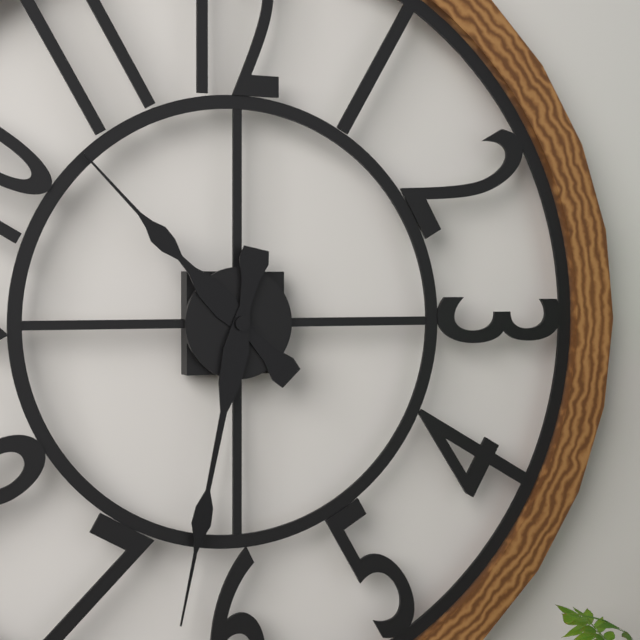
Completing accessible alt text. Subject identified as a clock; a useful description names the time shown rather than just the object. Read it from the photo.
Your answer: 10:32
